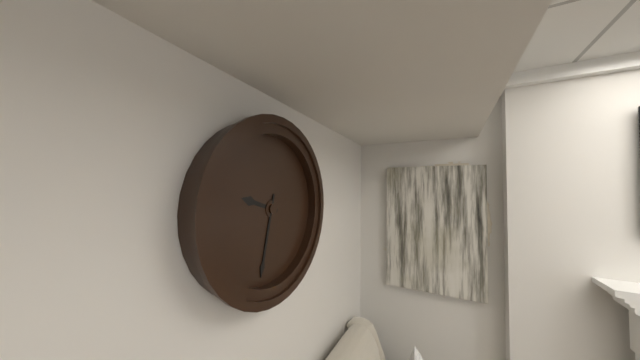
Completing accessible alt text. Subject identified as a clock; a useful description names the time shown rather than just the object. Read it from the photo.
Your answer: 9:32
